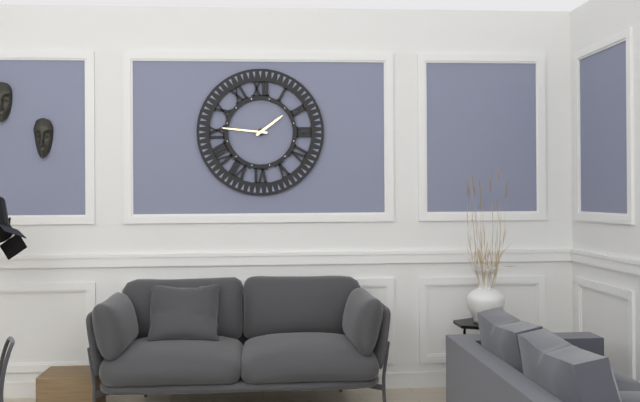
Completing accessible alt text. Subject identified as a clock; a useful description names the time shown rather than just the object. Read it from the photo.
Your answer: 1:46
